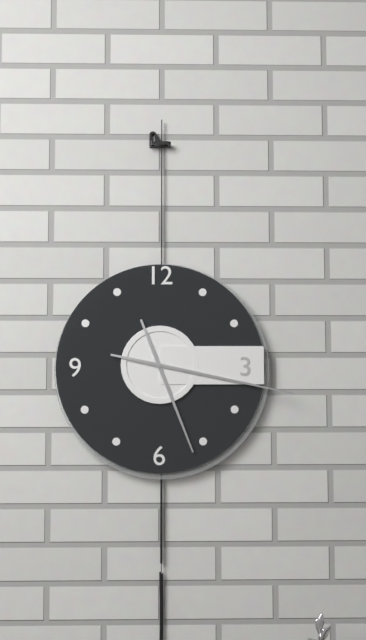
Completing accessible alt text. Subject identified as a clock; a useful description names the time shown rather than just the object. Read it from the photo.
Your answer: 5:17
